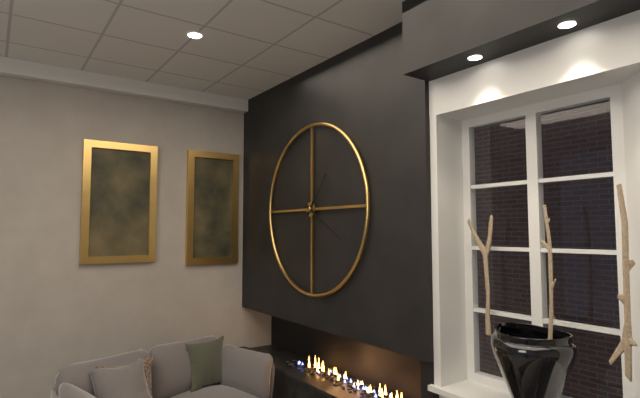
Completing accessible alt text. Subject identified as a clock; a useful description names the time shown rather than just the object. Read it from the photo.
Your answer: 1:20
